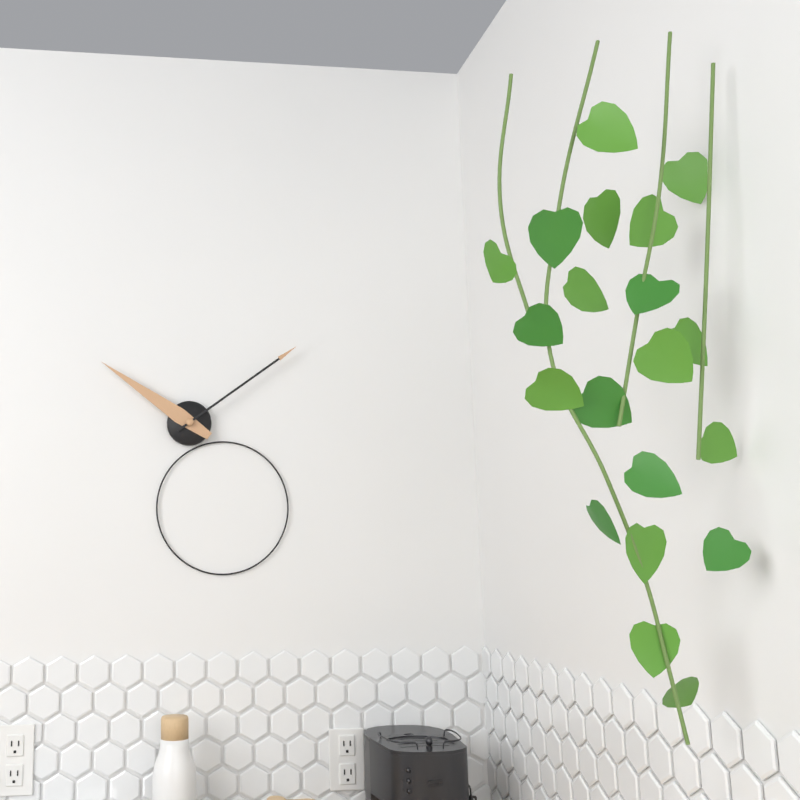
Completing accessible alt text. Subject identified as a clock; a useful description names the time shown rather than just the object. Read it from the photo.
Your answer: 10:09
